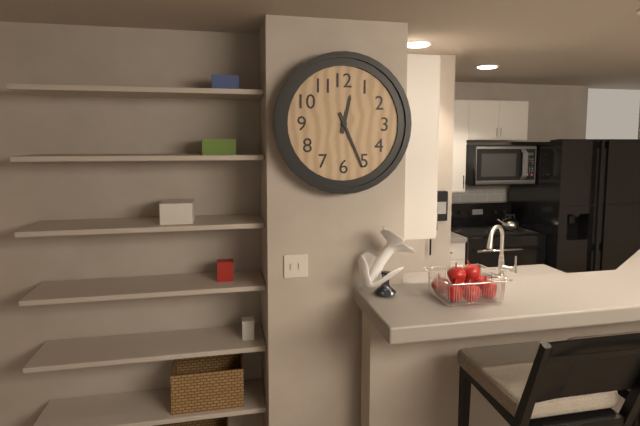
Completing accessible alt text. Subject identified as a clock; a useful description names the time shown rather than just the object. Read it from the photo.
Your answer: 12:26
